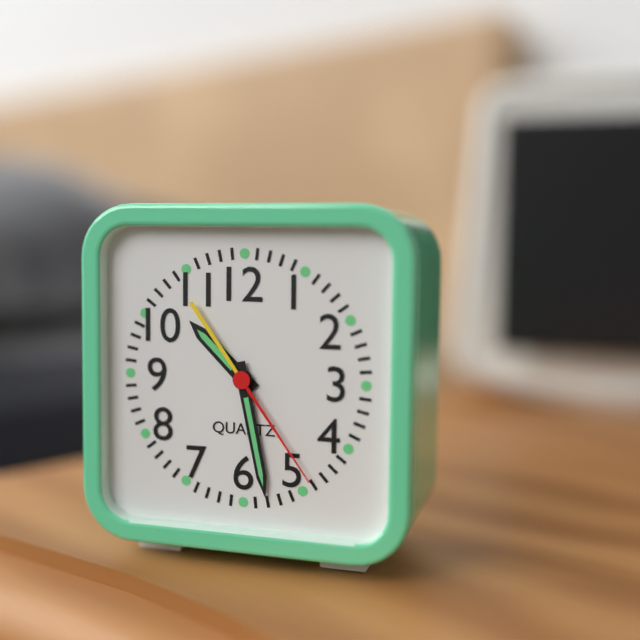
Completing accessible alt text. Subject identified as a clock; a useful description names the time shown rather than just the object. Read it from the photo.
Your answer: 10:28:24
